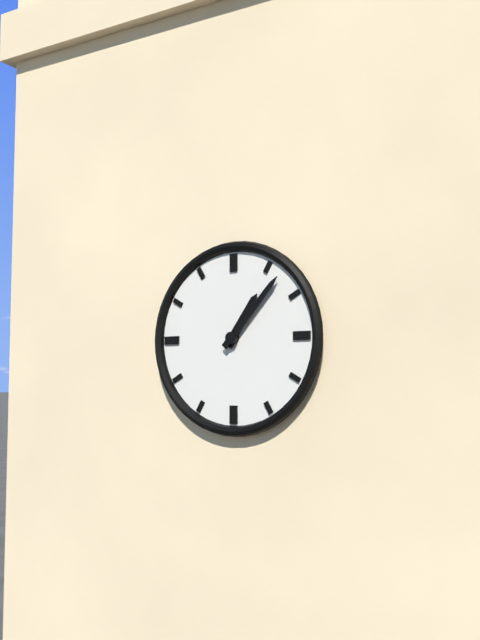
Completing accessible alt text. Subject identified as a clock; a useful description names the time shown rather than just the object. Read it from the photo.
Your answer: 1:07
